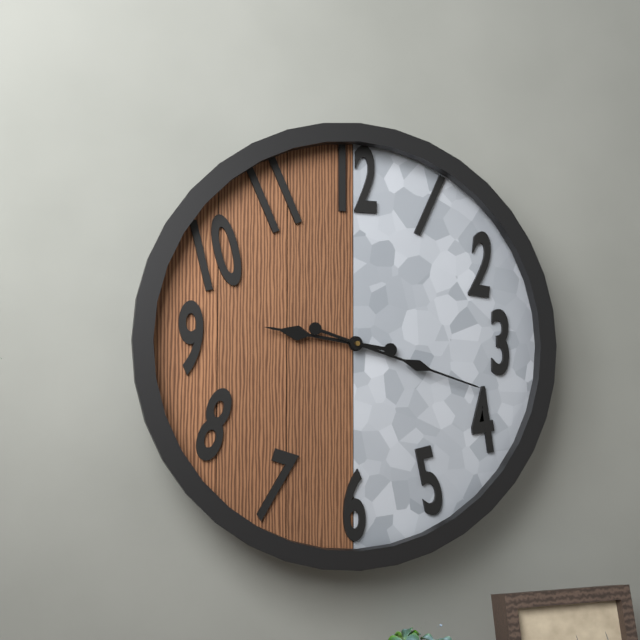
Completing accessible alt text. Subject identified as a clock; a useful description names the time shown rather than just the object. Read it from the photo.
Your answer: 9:18
